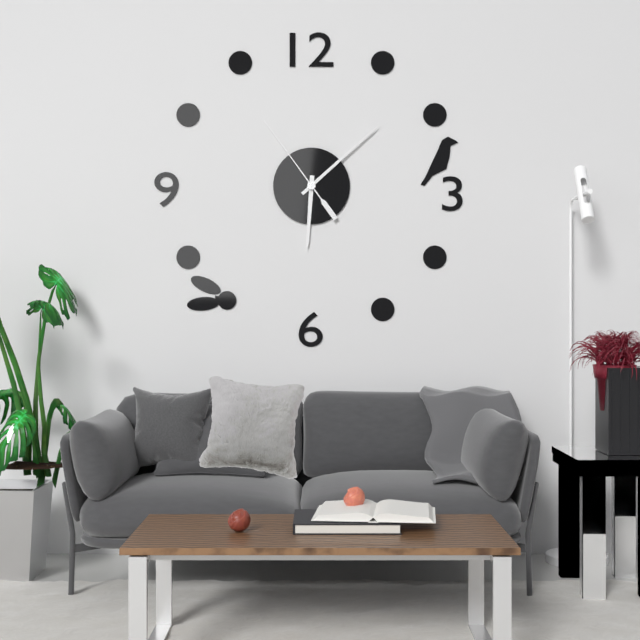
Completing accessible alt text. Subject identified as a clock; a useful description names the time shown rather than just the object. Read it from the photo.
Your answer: 6:08:54
